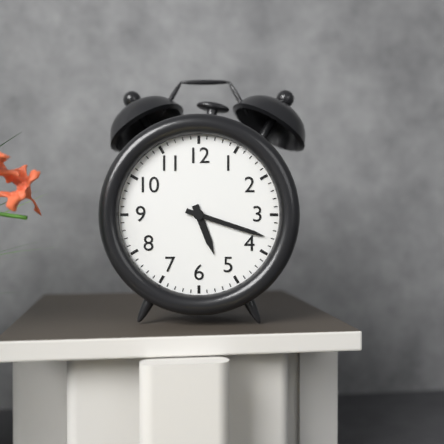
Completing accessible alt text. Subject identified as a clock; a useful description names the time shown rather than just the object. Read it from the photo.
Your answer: 5:18
